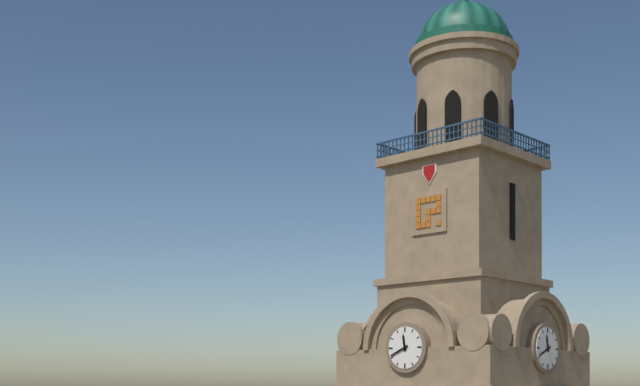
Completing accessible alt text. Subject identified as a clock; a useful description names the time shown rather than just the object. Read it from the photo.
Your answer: 11:41
